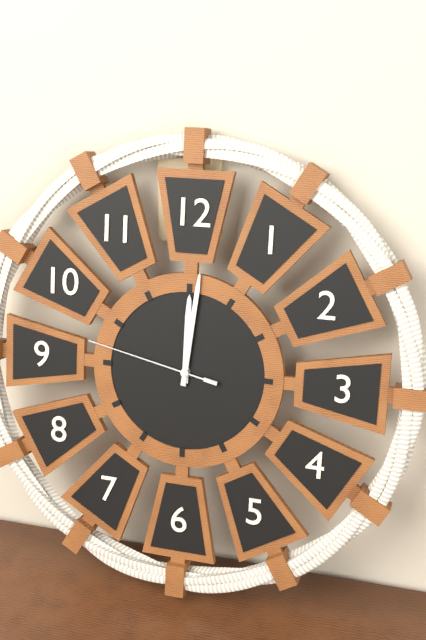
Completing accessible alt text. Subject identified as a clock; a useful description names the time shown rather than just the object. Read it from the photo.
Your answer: 12:01:47
